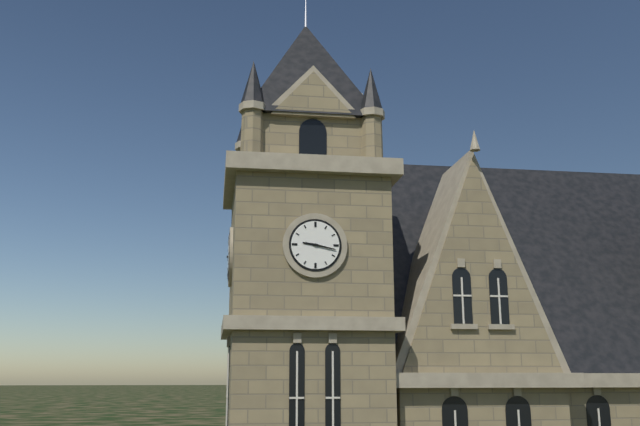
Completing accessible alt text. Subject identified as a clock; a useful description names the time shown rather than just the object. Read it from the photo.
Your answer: 9:17
